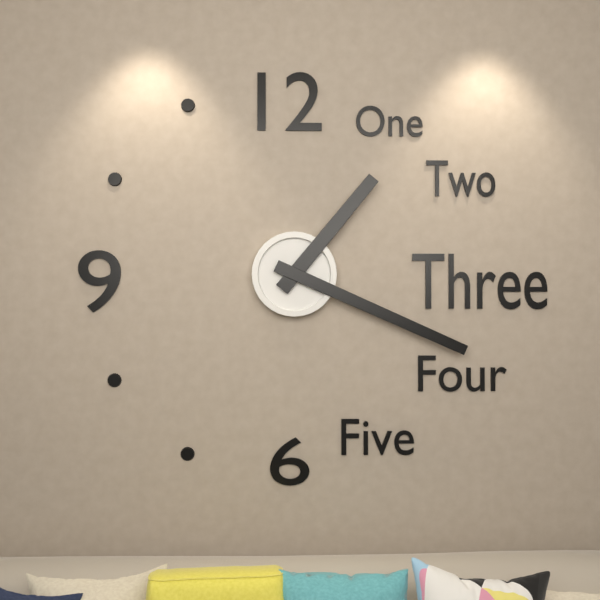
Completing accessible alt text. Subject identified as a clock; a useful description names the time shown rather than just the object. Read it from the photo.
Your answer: 1:19
